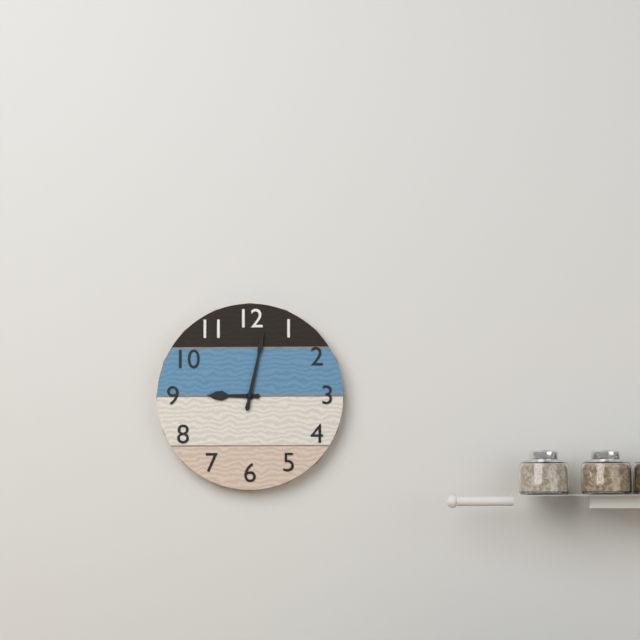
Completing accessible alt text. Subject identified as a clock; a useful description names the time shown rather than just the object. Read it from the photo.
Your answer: 9:02
